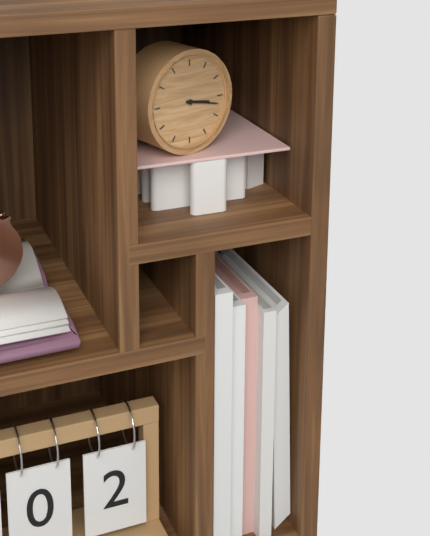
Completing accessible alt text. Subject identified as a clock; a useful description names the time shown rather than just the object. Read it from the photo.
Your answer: 3:17
